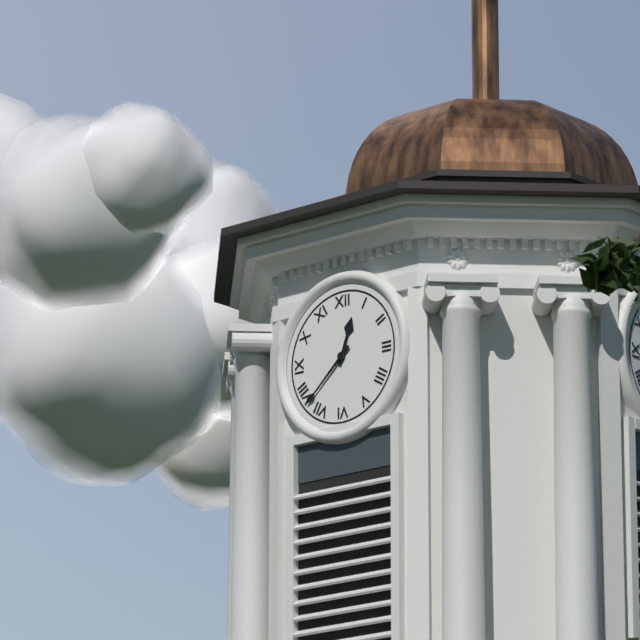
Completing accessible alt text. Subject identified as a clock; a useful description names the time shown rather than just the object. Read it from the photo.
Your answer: 12:38
